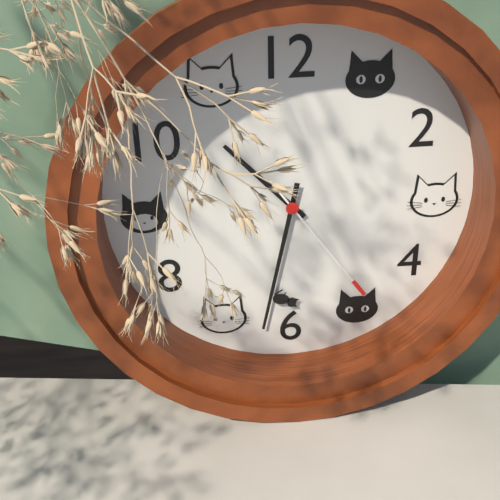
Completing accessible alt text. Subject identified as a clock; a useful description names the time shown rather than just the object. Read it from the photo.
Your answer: 10:32:24
